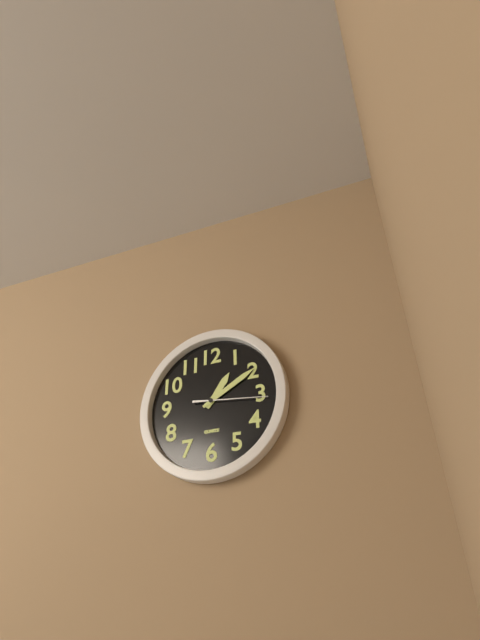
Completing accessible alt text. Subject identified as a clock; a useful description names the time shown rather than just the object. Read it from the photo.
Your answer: 1:10:16
